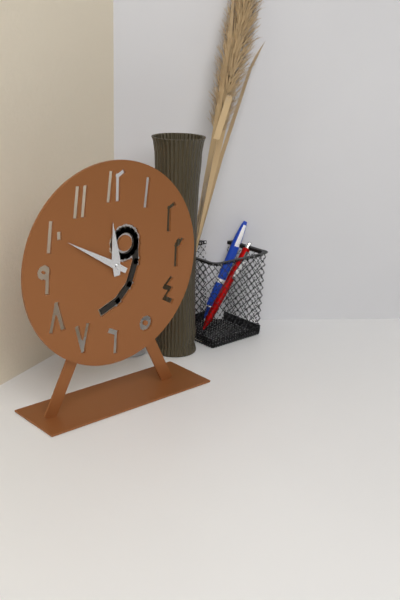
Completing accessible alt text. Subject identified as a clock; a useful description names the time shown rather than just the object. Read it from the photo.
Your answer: 11:50
